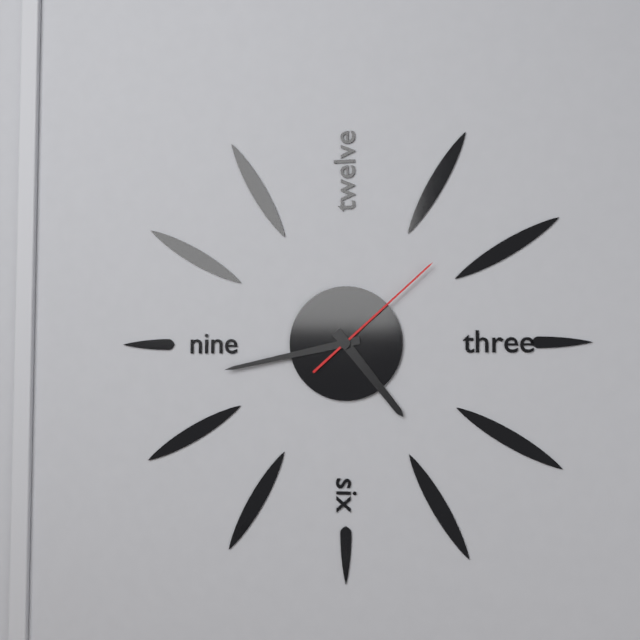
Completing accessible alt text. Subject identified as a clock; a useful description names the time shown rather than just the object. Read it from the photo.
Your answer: 4:43:08
